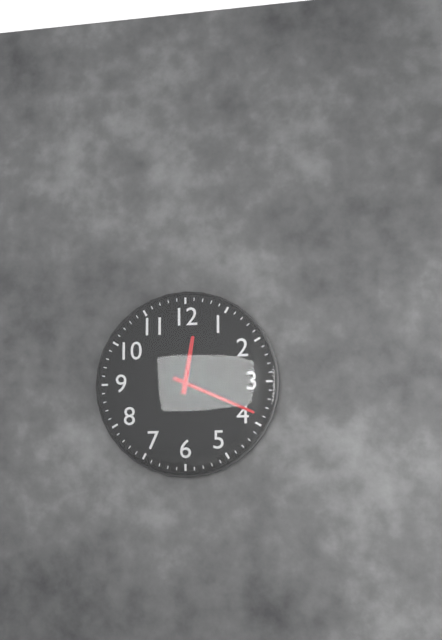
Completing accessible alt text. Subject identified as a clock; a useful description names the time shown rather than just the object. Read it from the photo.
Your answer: 12:19
